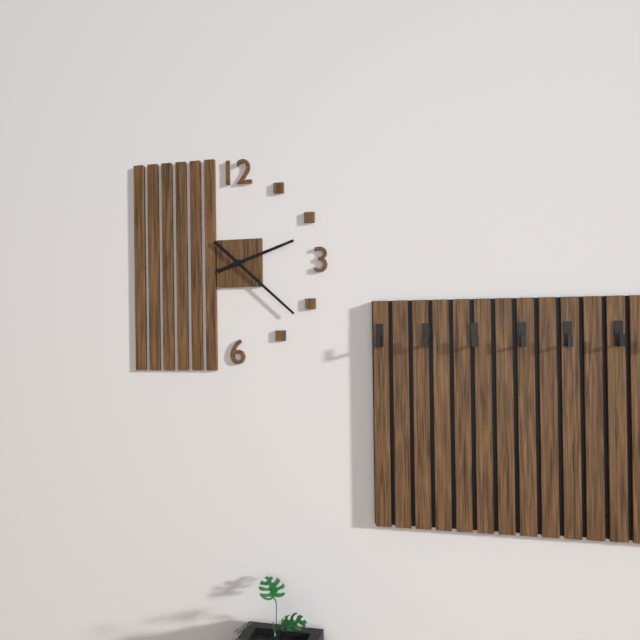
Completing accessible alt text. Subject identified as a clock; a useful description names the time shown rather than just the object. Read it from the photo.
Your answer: 2:22
